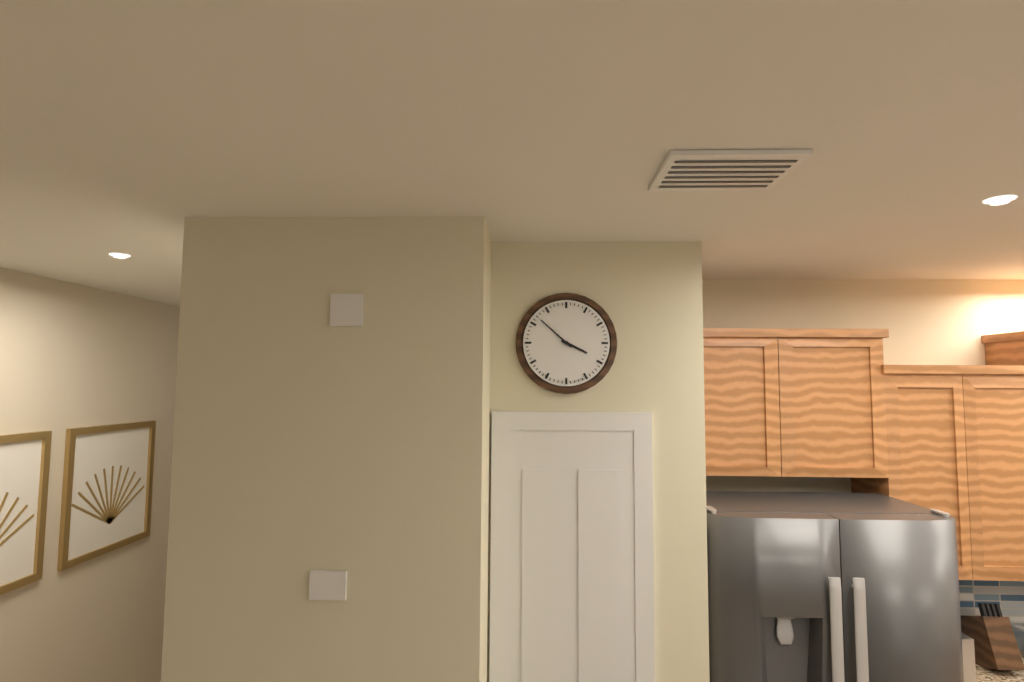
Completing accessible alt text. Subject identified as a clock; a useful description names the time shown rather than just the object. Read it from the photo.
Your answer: 3:52
